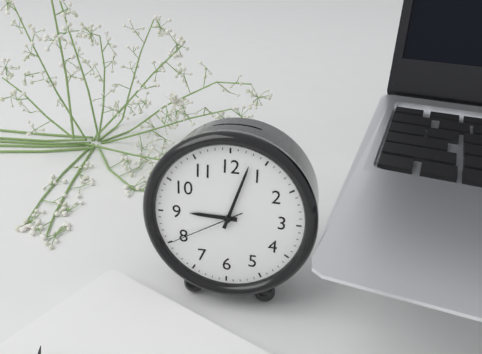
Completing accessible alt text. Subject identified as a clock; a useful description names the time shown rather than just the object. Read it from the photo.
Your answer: 9:03:40
